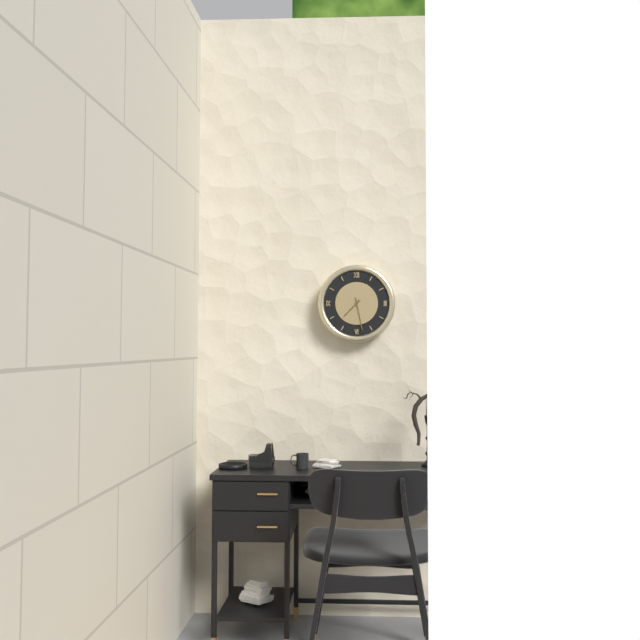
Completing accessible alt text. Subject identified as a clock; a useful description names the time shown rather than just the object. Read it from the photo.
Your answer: 7:28
